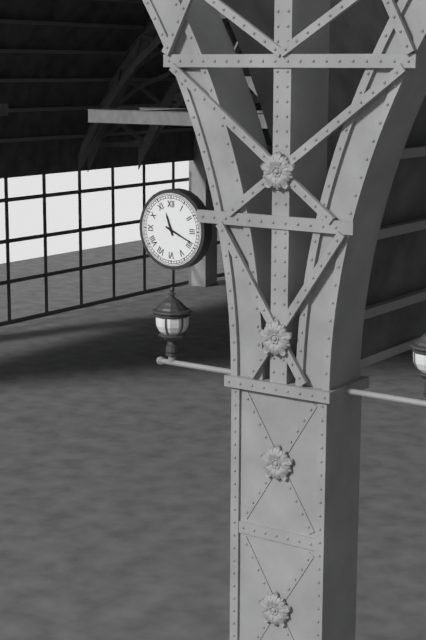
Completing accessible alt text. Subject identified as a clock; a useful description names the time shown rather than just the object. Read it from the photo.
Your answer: 11:19
